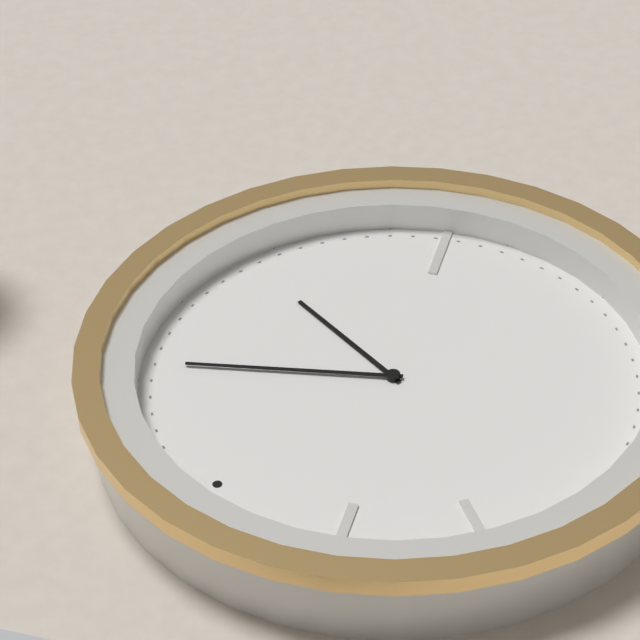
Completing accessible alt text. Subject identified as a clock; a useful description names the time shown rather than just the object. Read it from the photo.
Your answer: 3:08
